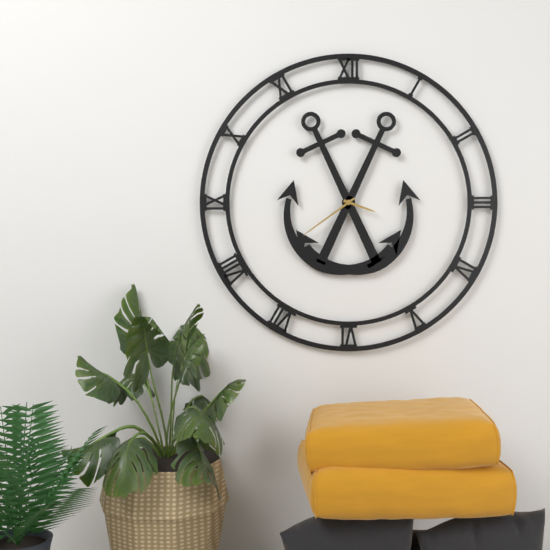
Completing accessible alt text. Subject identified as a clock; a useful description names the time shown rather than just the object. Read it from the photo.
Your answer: 3:39
